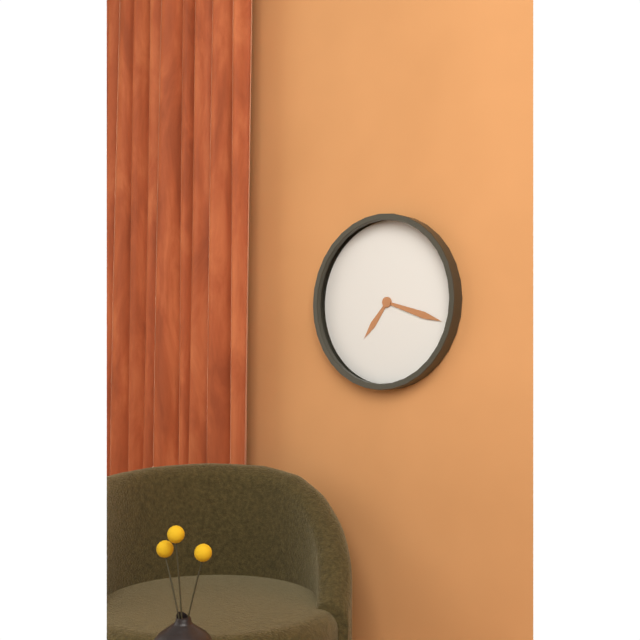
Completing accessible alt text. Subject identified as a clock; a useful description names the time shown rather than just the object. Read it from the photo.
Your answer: 7:18
